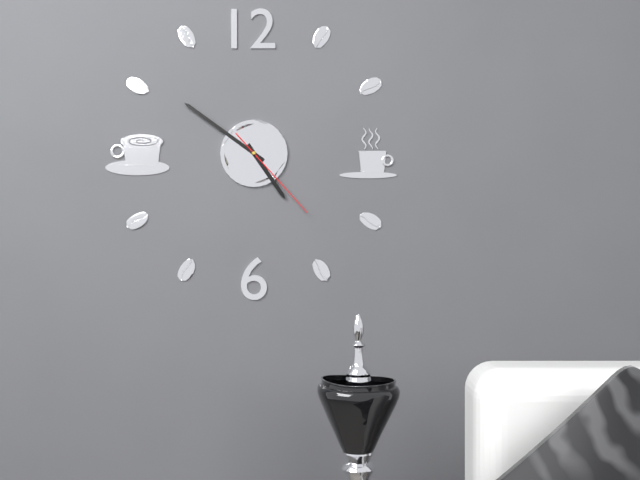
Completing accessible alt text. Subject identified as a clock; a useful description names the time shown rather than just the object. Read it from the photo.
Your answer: 4:51:23
